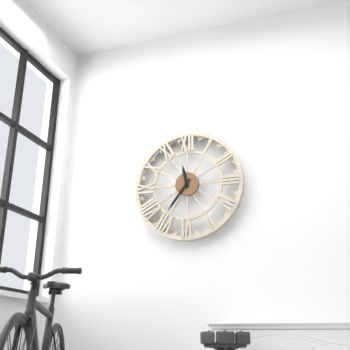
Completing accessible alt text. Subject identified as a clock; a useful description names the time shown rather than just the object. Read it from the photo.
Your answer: 11:36
